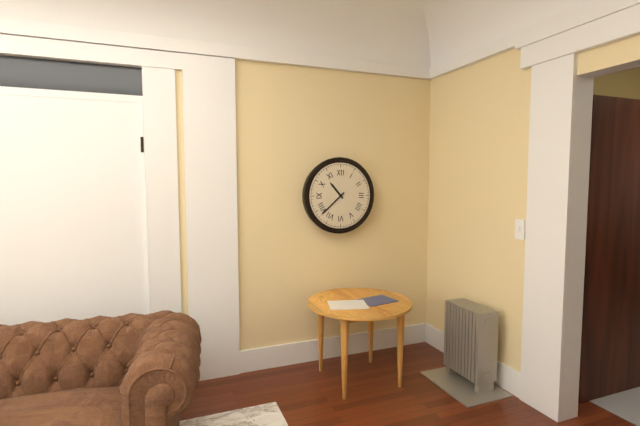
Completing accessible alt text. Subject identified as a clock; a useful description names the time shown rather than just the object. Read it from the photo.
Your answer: 10:38
